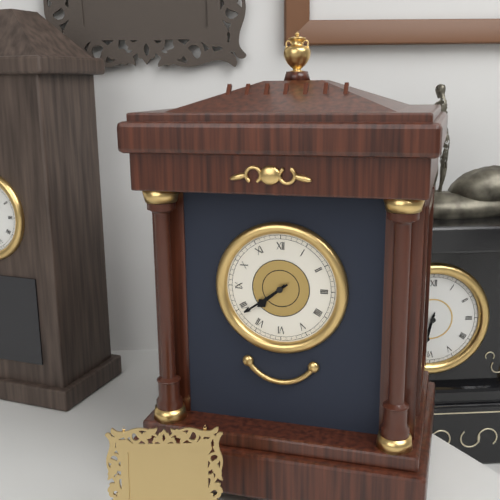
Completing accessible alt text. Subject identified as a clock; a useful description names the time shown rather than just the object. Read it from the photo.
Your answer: 7:39
